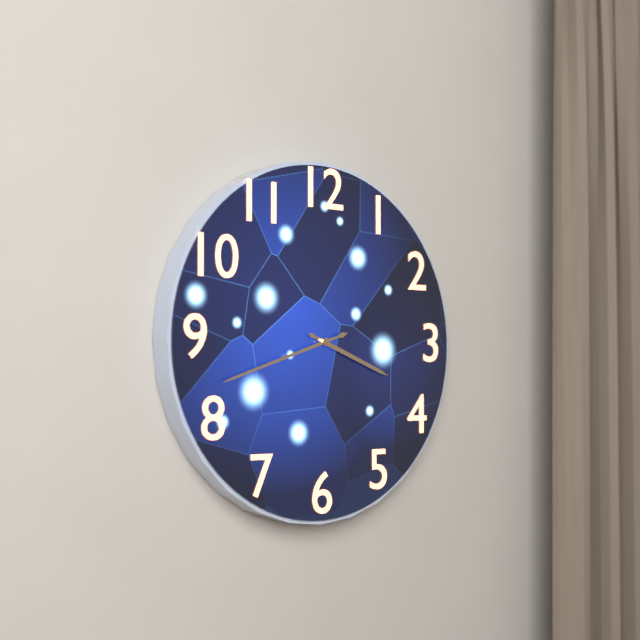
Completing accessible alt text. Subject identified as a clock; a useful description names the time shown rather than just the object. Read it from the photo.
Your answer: 3:42
